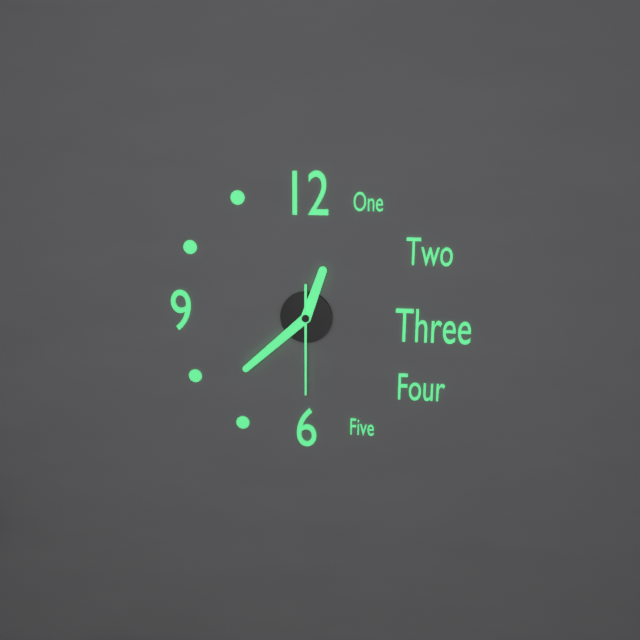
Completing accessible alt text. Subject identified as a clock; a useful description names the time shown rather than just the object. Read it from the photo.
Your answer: 12:38:30
